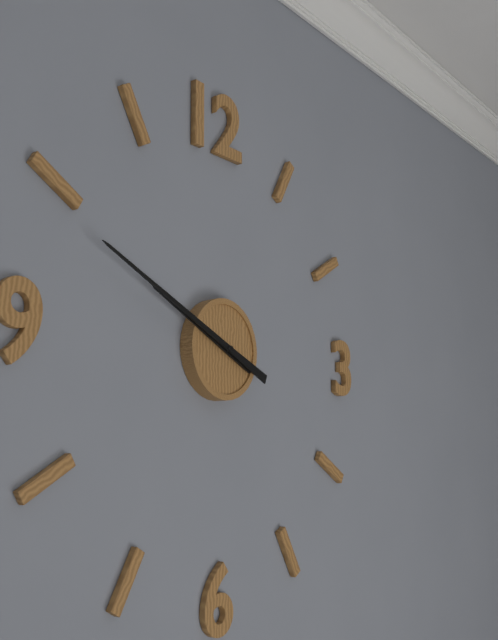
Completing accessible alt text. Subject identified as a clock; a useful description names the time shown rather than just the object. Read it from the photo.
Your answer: 9:49
